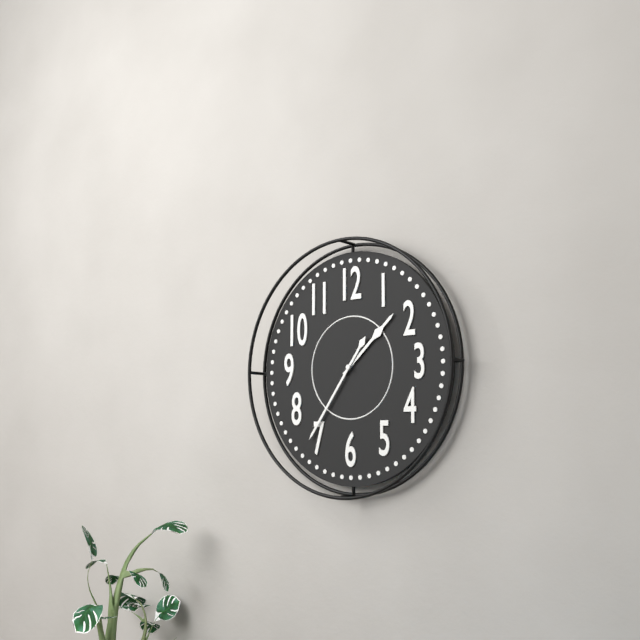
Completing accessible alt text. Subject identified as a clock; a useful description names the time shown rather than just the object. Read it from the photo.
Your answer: 1:36
